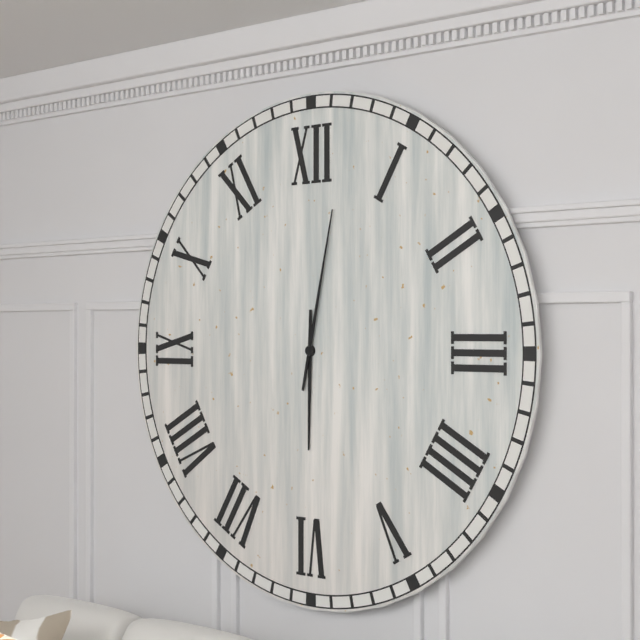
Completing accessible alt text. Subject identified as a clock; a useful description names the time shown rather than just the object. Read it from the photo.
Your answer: 6:02
